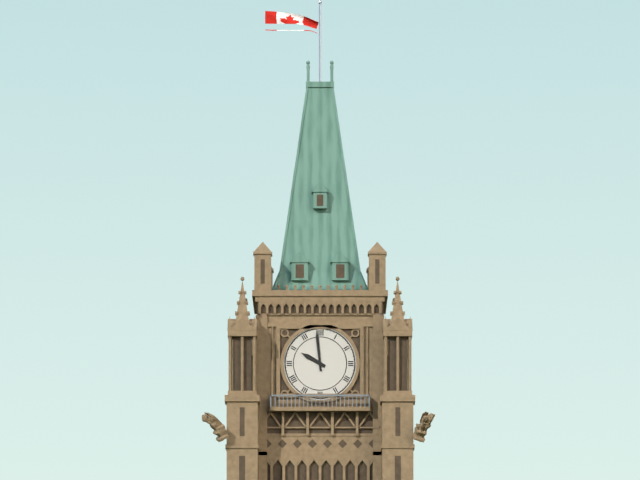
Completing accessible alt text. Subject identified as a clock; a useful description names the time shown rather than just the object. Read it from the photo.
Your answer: 9:59
